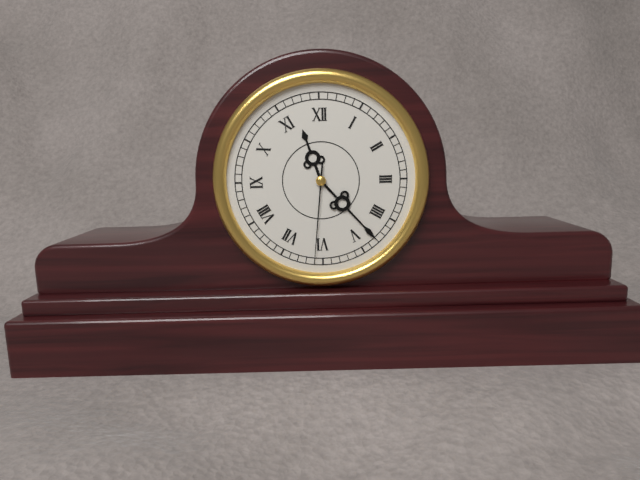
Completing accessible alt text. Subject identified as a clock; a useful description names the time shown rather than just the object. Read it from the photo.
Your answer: 11:23:31
